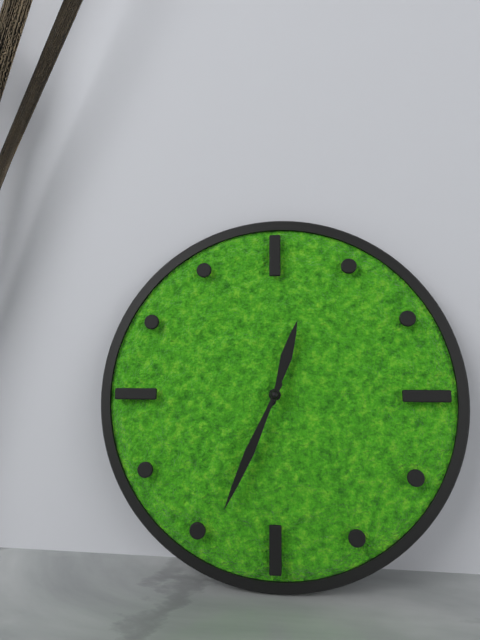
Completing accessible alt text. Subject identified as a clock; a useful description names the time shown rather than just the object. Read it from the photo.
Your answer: 12:34
